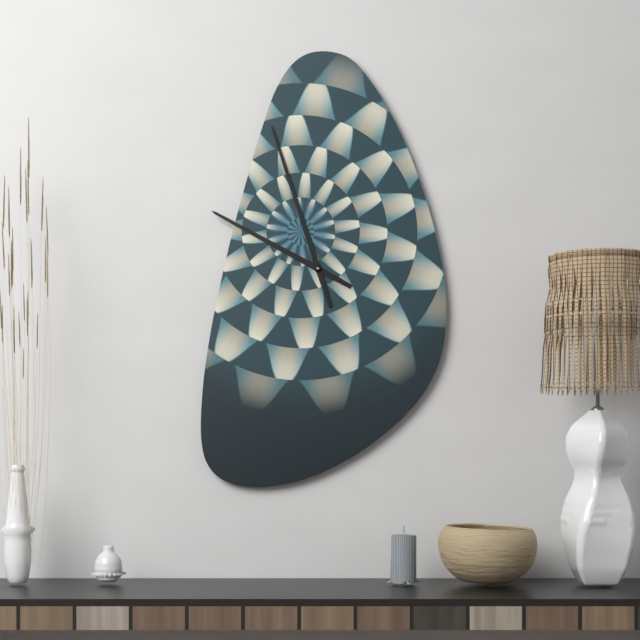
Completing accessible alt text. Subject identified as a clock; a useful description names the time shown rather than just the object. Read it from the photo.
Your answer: 9:57
